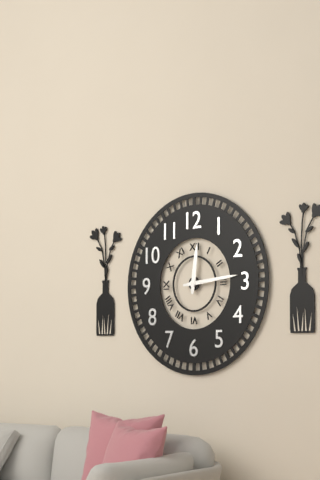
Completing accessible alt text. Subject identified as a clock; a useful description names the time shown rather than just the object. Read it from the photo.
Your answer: 12:14
